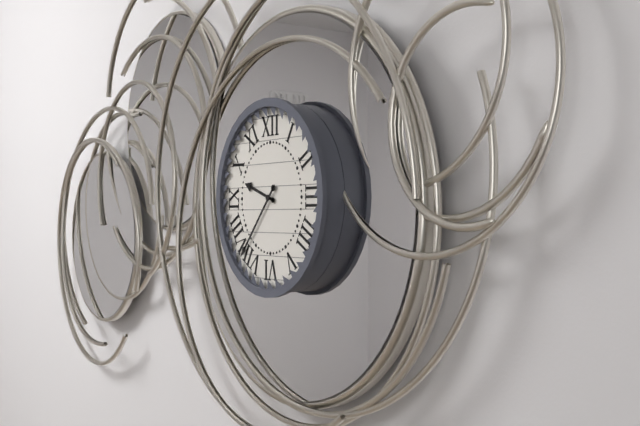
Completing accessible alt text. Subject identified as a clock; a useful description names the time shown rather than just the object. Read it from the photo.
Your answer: 9:37
